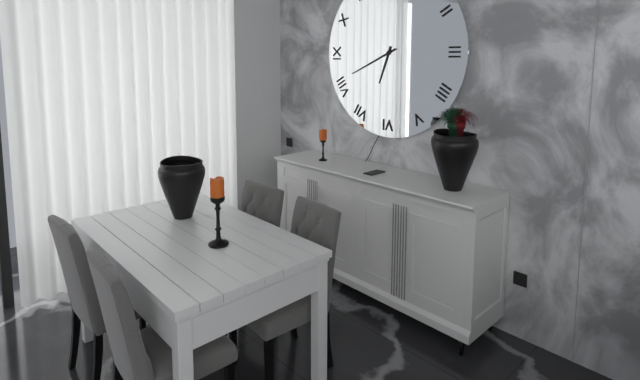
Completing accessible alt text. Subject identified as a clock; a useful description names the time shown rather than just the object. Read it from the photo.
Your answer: 6:41
